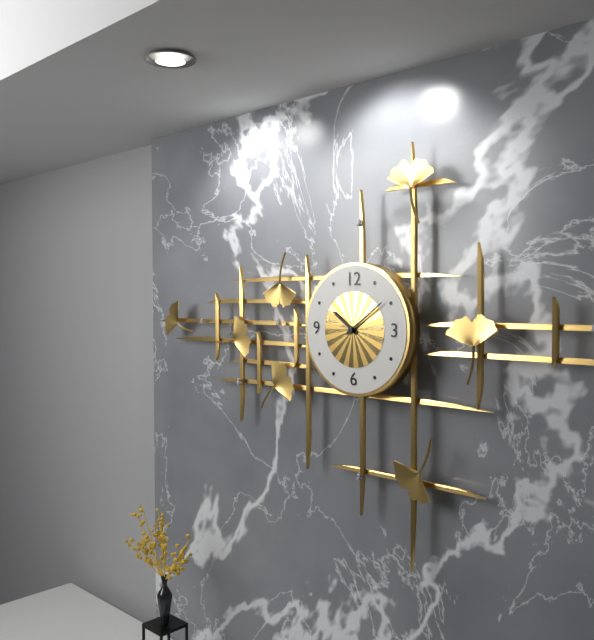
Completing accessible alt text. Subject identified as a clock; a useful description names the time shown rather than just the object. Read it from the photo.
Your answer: 10:09
